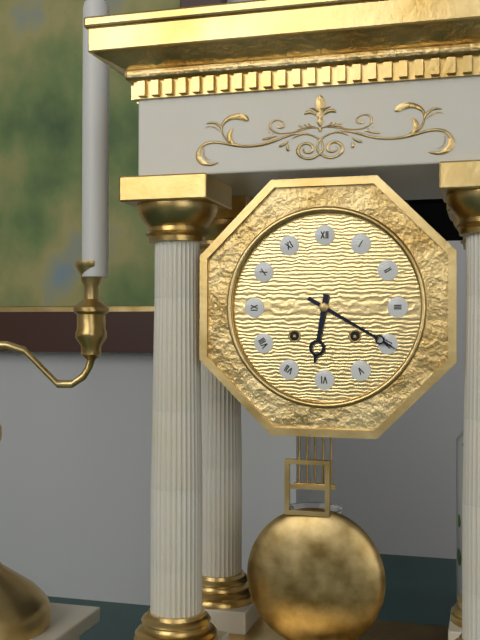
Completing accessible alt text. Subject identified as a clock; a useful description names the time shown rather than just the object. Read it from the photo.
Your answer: 6:20
